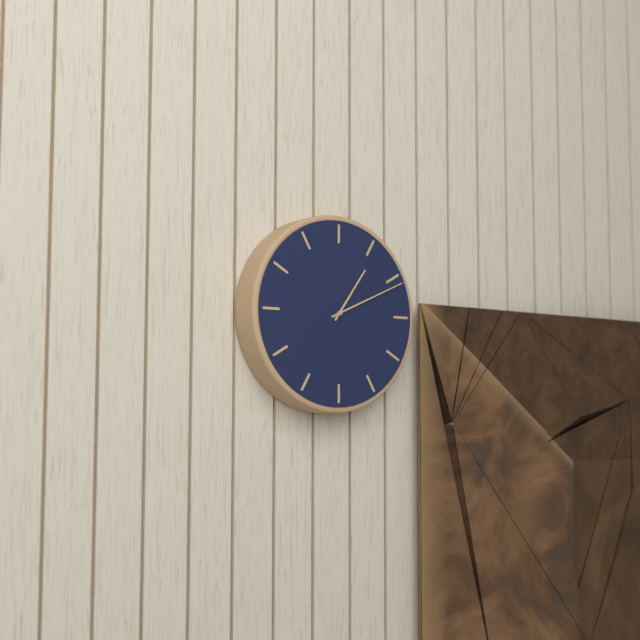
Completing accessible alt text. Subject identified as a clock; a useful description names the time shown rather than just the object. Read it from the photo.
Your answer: 1:11
